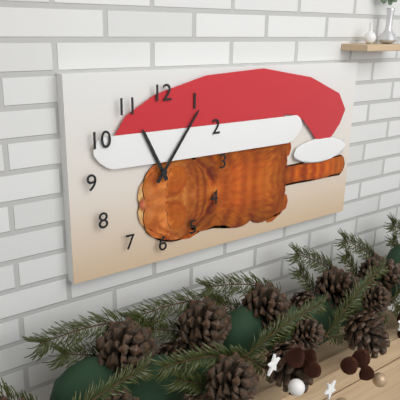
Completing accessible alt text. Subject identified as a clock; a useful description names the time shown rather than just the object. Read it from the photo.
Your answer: 11:06
